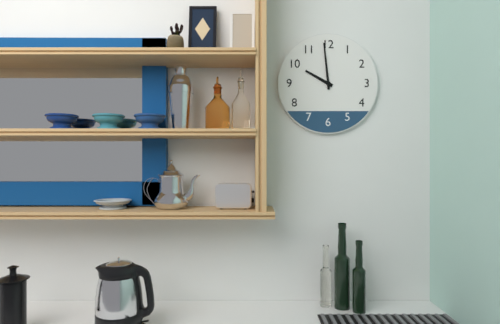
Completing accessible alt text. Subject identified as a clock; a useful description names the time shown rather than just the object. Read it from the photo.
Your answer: 9:59
